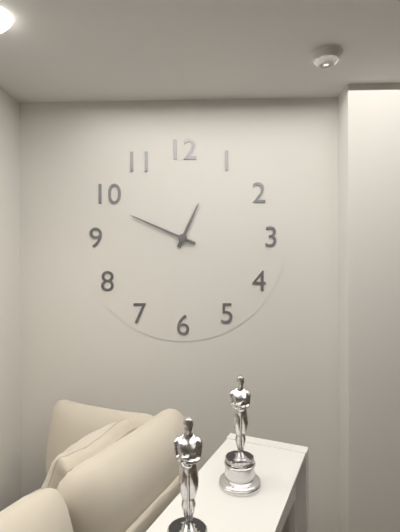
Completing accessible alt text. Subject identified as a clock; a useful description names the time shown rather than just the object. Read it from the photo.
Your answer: 12:49
